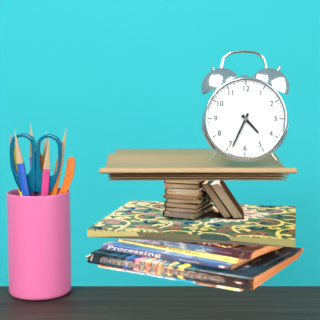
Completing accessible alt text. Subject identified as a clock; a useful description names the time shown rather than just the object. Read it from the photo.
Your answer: 4:34
